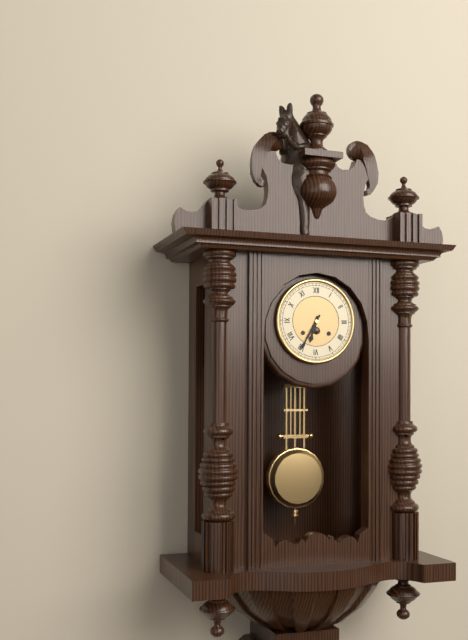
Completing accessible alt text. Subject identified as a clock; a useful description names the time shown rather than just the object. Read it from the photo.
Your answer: 6:35
